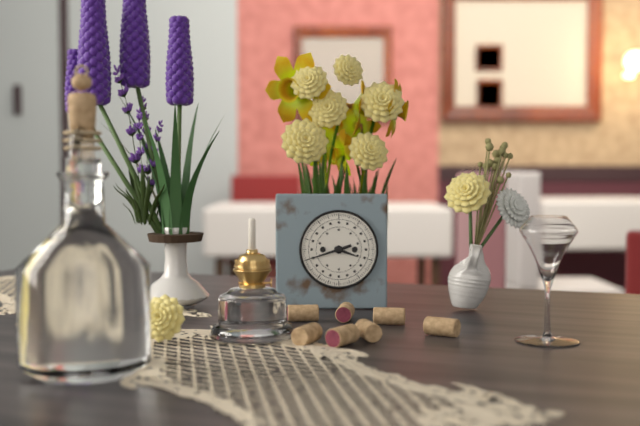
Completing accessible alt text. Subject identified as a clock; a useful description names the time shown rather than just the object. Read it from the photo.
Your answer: 3:42
